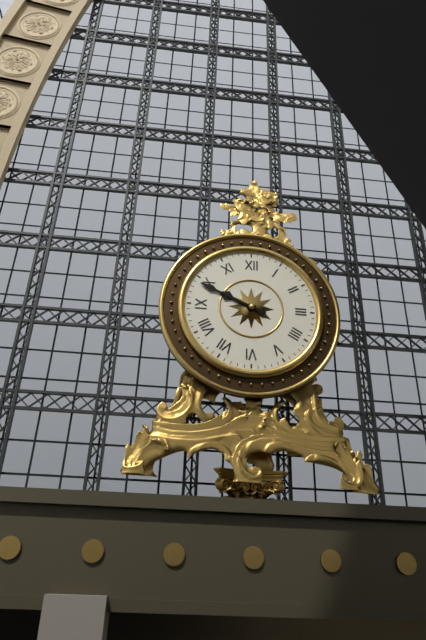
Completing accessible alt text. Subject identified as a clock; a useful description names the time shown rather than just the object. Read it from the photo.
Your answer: 9:49
